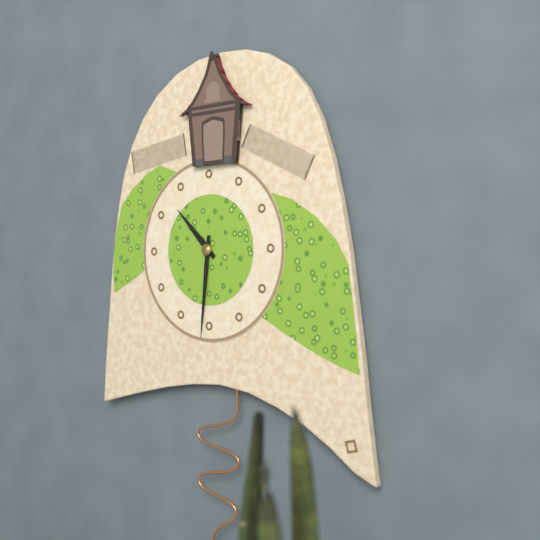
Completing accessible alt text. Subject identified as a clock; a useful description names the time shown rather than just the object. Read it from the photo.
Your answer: 10:31
